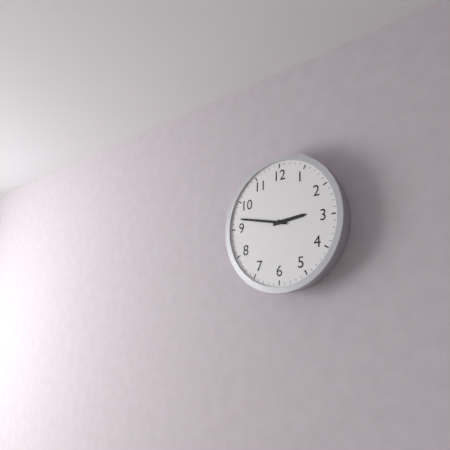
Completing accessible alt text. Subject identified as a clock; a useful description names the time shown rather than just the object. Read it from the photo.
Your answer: 2:47
